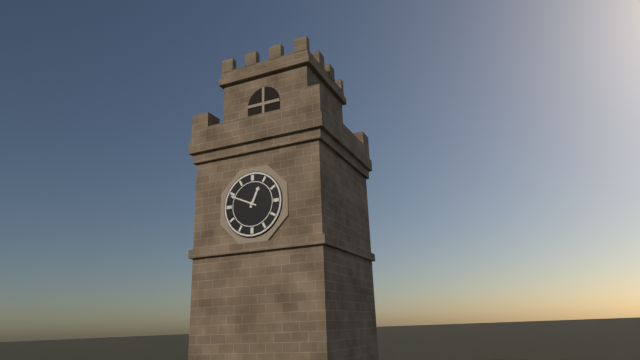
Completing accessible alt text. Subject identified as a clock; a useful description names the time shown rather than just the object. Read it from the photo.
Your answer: 12:49
